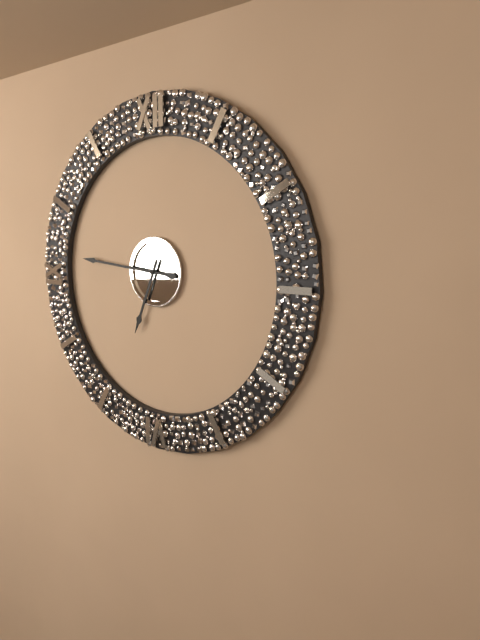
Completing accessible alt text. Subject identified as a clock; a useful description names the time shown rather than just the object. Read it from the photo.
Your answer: 6:46
